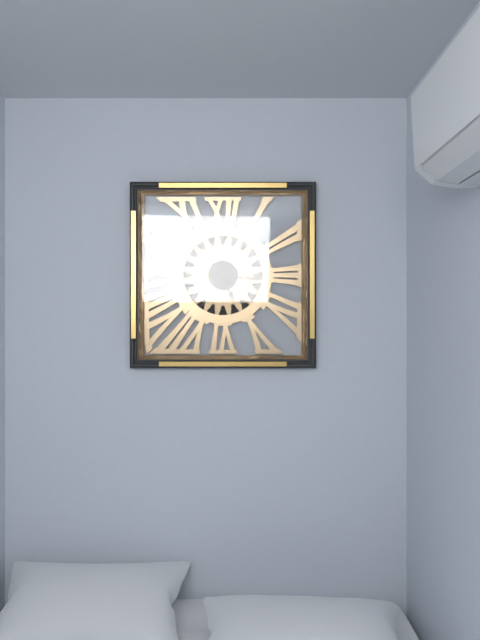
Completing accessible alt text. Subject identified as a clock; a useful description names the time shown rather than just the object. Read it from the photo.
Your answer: 5:16
